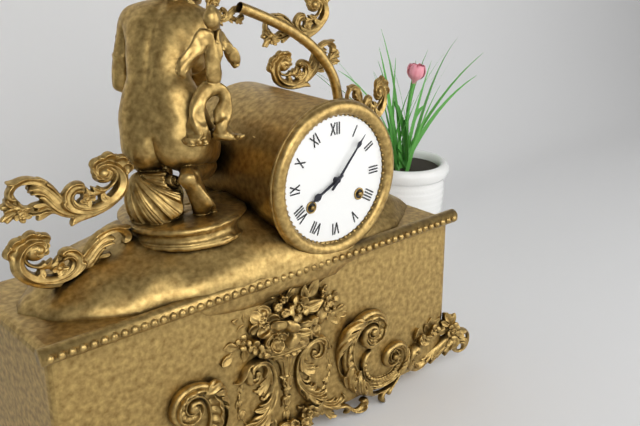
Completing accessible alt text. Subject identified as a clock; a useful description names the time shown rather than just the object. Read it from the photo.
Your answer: 8:07
